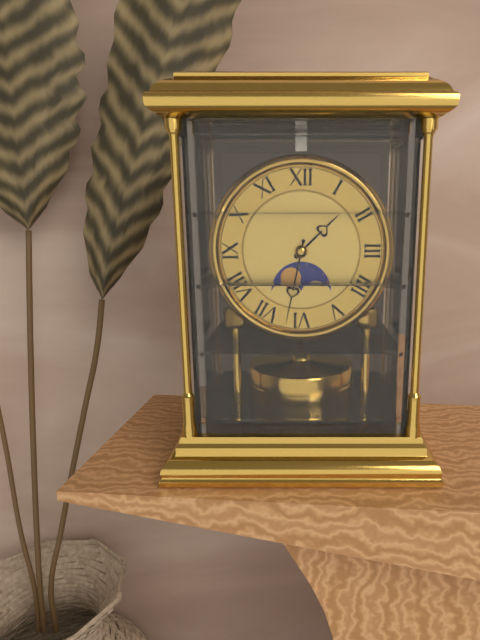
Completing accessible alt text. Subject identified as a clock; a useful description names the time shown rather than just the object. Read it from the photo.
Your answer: 1:32
